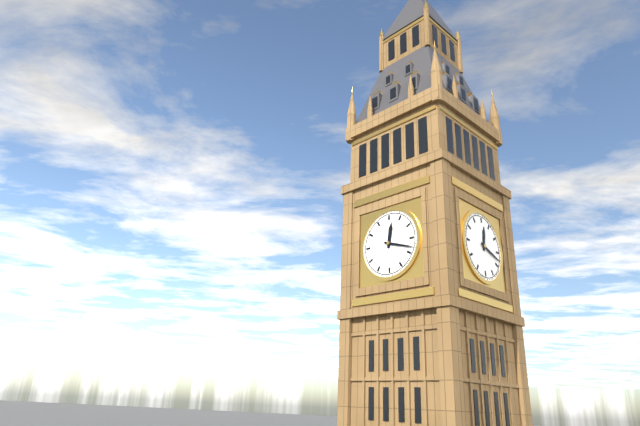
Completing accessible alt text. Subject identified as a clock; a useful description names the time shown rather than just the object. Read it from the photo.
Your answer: 12:18
